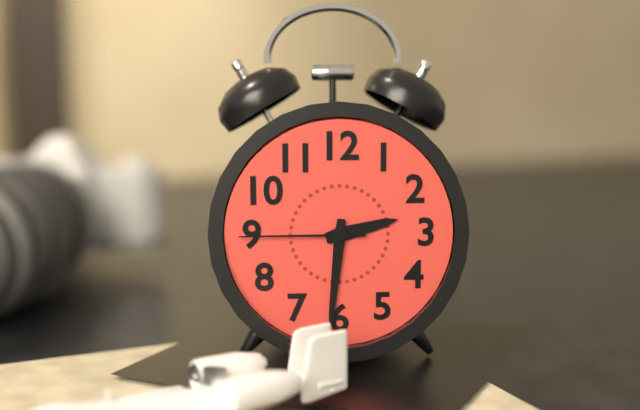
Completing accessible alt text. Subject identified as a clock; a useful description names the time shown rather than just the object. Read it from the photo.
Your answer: 2:31:45
